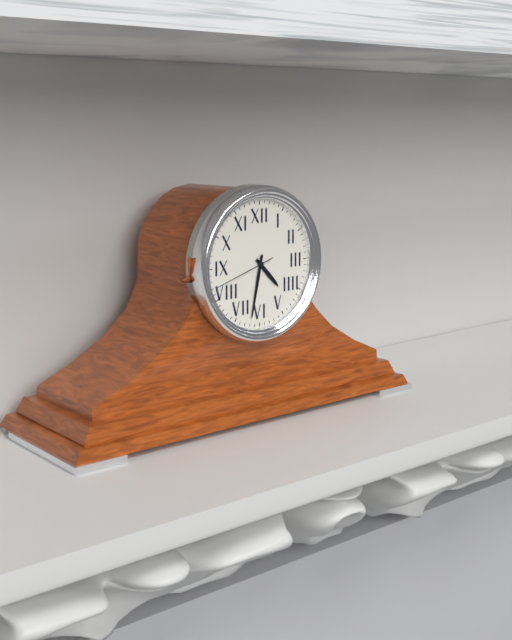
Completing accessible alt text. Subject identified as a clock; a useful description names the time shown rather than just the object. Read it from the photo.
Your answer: 4:32:42
